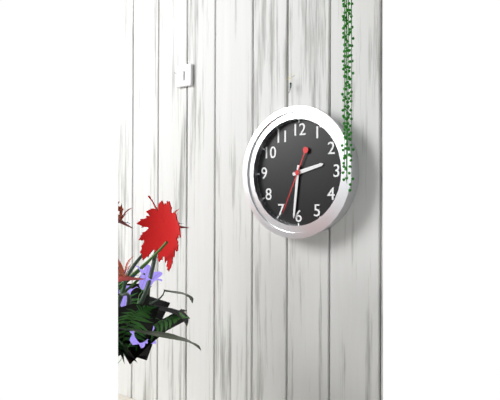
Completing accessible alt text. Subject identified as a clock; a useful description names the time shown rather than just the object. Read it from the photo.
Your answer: 2:31:34
